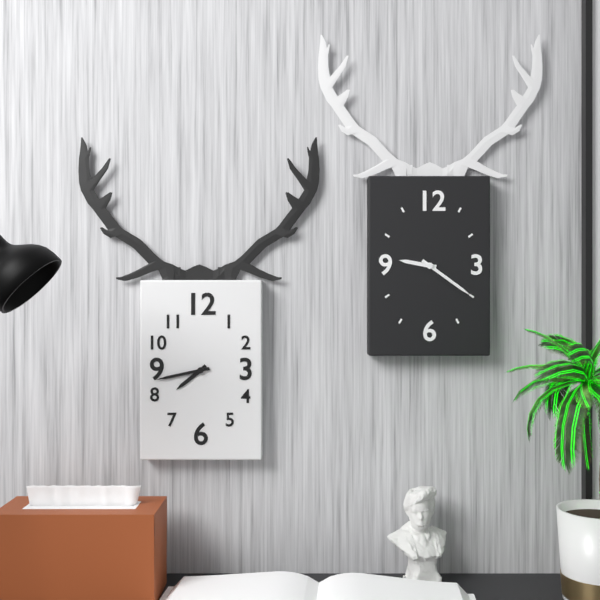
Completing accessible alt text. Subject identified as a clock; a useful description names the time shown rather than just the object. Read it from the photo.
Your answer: 7:43
